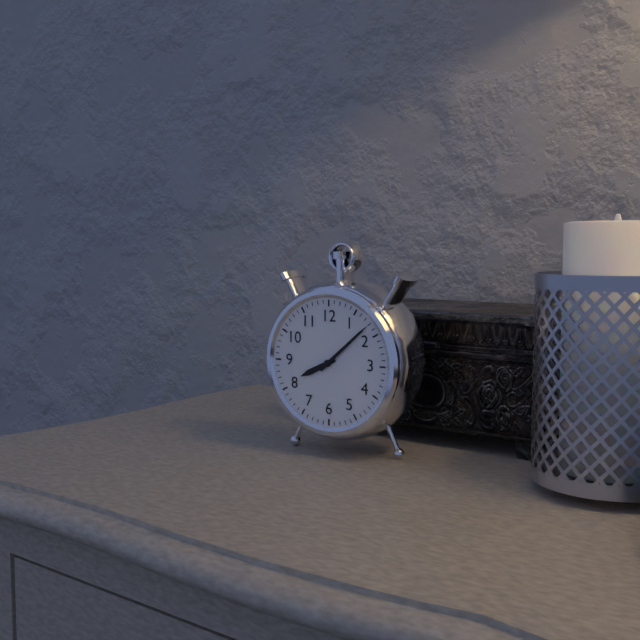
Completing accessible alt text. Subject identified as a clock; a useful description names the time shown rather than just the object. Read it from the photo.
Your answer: 8:08
